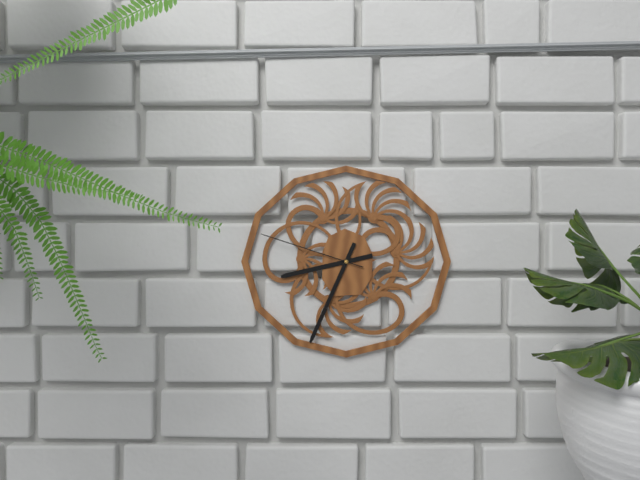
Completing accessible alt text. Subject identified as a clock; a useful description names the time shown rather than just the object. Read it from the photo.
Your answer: 8:34:48
